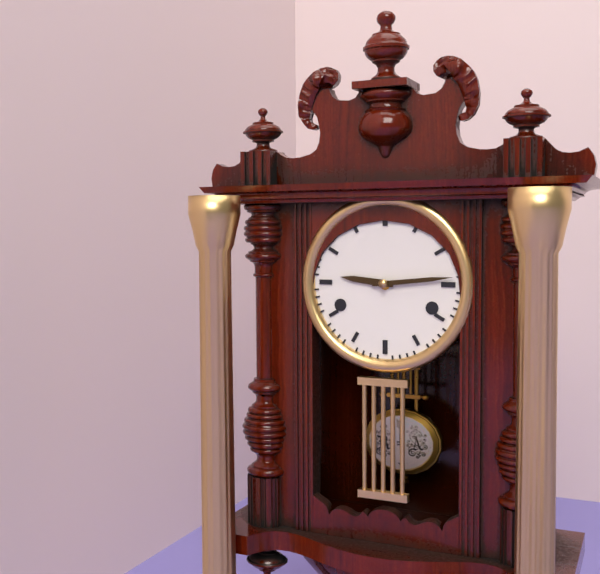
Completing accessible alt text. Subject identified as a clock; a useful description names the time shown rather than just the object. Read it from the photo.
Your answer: 9:14
